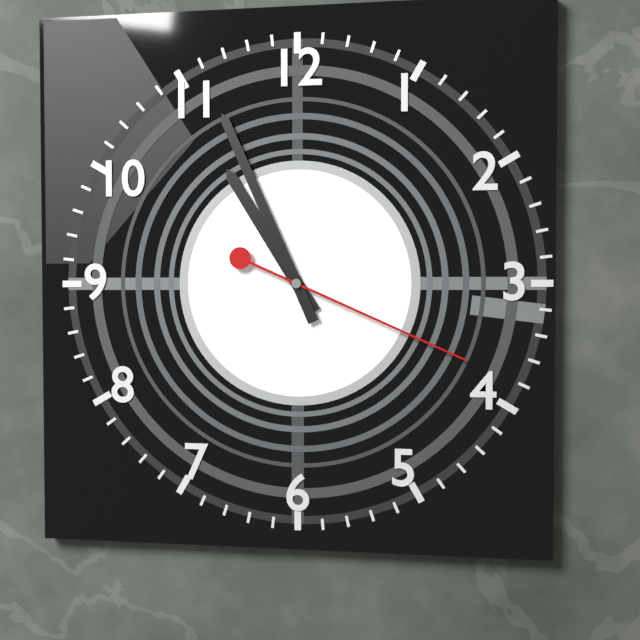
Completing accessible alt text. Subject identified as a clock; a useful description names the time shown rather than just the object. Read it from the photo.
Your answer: 10:56:19
